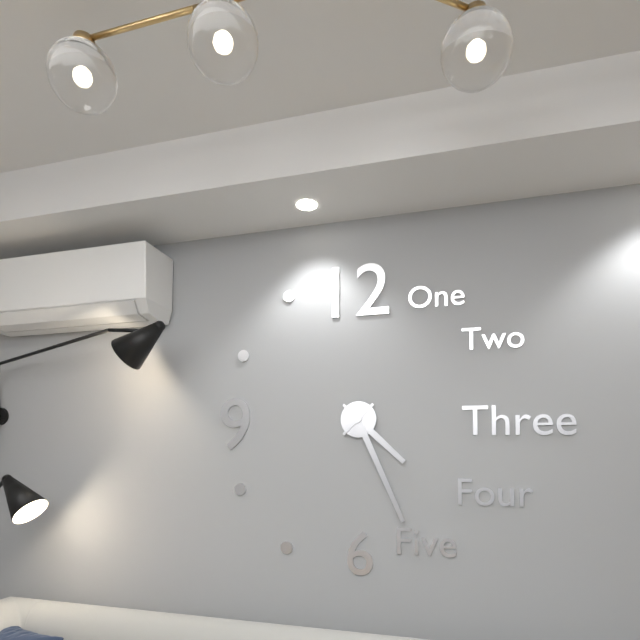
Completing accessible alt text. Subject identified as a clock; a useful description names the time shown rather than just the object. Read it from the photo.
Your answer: 4:26
